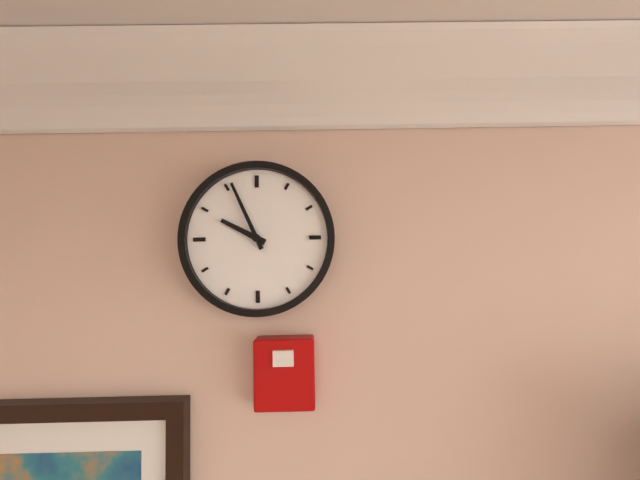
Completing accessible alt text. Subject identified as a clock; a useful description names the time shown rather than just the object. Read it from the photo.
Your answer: 9:56
